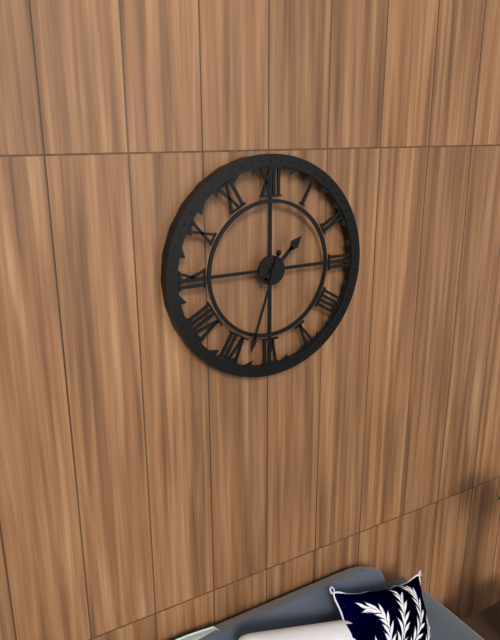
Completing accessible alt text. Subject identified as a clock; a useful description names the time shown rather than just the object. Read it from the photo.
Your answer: 1:33
